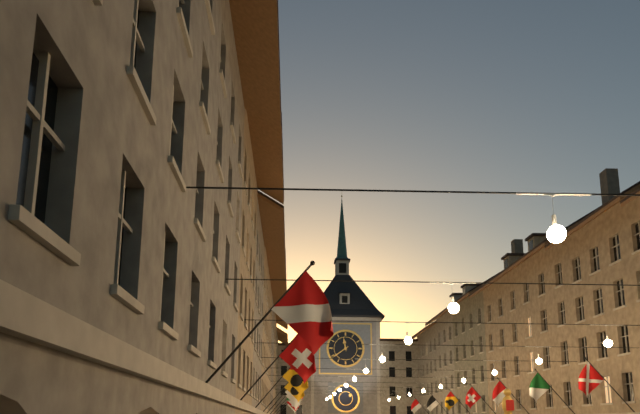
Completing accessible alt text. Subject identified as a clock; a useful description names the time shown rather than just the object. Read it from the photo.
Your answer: 11:39
